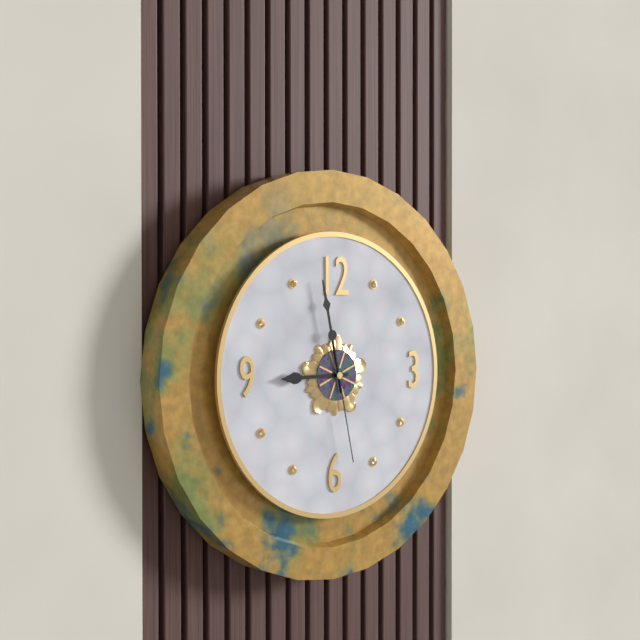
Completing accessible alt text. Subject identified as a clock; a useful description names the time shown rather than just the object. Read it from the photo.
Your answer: 8:58:28
